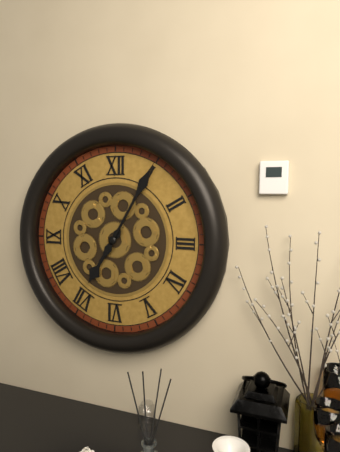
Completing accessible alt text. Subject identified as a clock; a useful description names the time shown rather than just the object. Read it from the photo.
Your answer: 7:05
